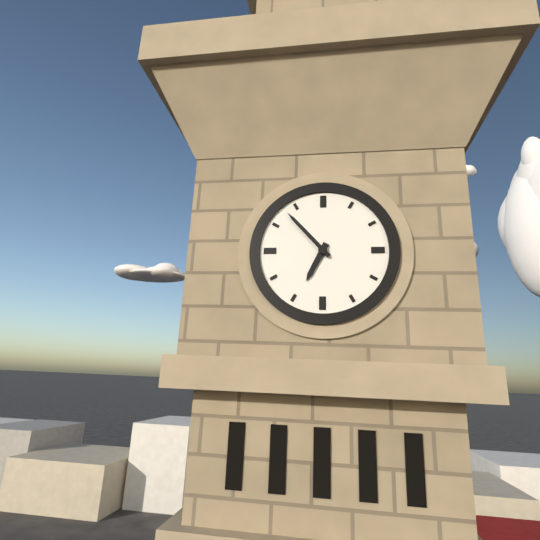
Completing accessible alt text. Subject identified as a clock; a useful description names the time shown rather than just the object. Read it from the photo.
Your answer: 6:53
